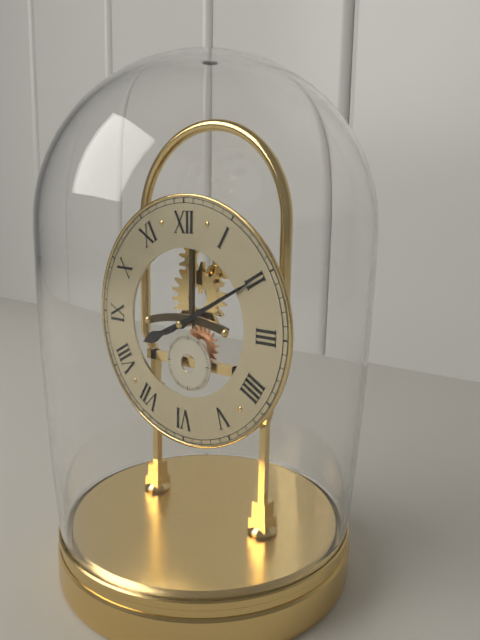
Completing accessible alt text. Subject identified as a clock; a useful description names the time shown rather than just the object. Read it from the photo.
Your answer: 8:10
